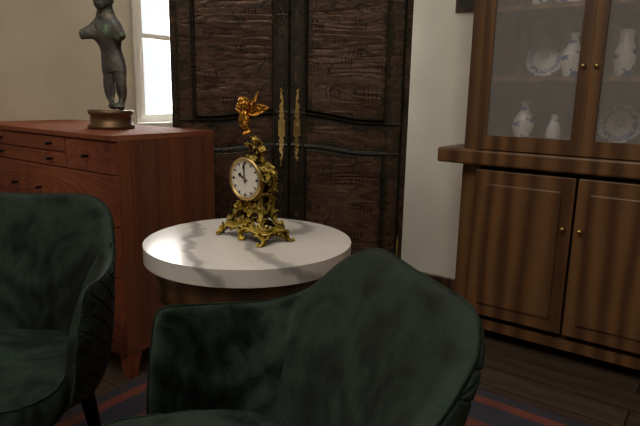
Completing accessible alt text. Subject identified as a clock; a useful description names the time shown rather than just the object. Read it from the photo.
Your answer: 9:59
